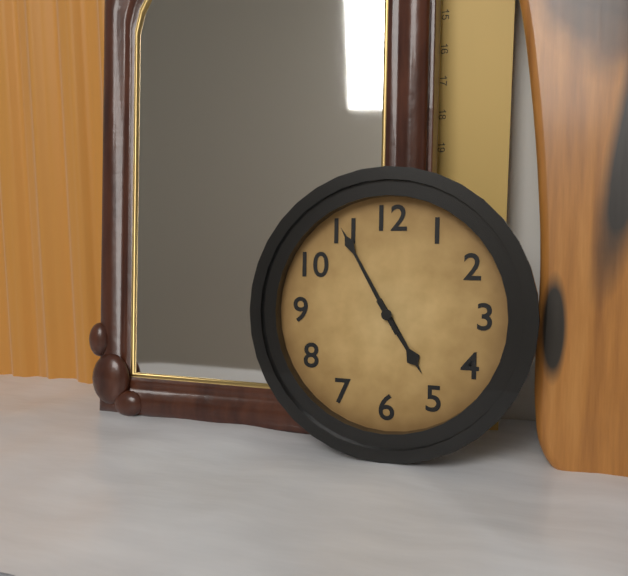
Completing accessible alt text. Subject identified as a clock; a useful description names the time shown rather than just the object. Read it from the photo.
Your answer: 4:55
